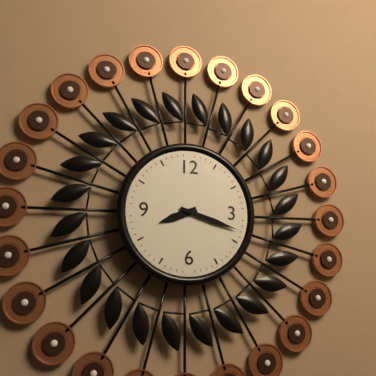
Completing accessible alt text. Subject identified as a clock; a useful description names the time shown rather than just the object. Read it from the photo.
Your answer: 8:18
